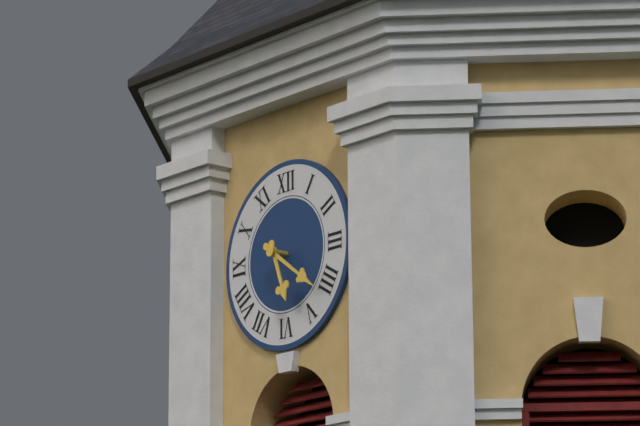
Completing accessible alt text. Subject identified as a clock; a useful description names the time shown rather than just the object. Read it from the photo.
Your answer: 5:21
